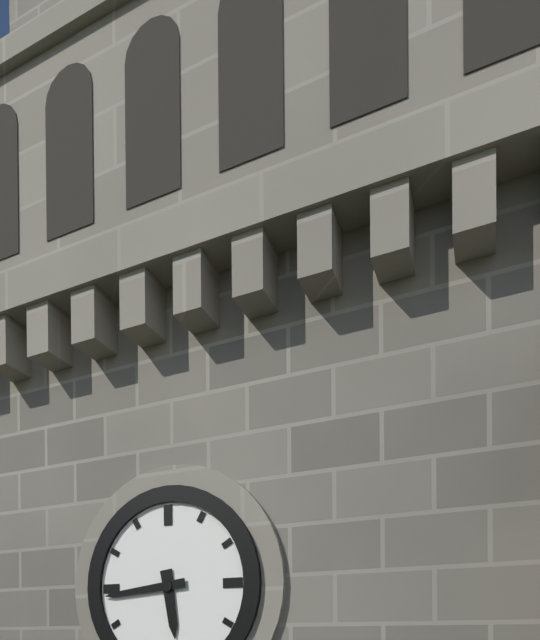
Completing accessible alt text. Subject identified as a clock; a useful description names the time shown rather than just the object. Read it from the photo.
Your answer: 5:44
